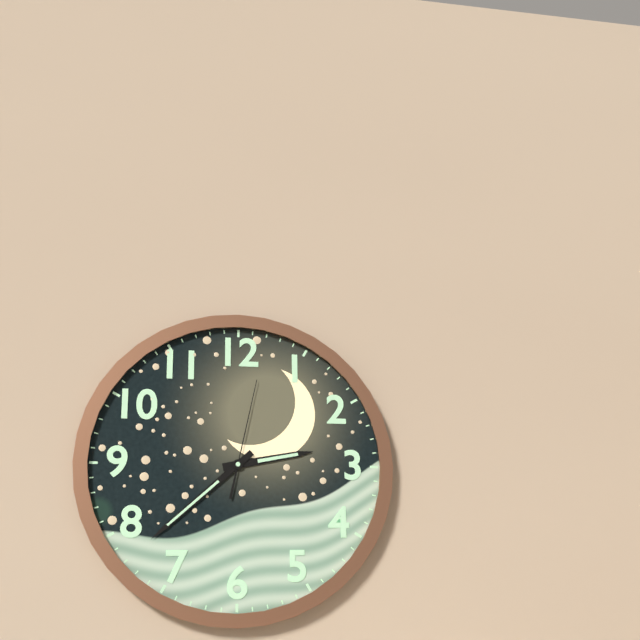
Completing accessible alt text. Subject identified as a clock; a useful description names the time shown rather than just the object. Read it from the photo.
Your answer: 2:38:02
